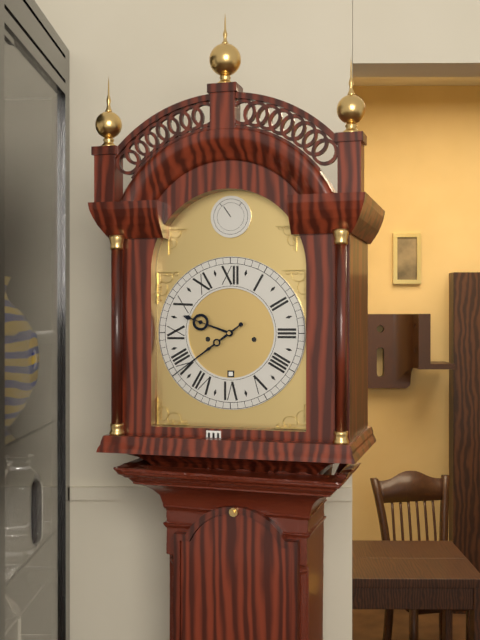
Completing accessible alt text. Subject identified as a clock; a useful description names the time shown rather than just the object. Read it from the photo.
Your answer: 9:39
